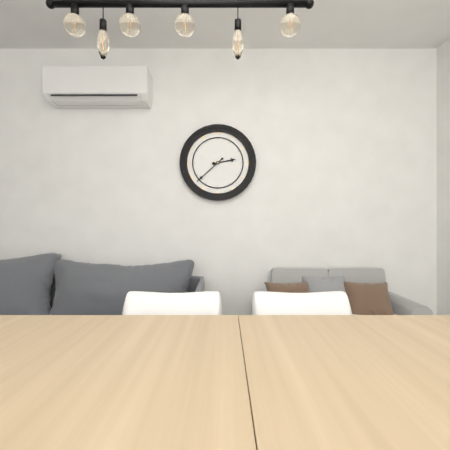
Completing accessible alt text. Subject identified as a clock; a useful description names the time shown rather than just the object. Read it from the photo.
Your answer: 2:38
